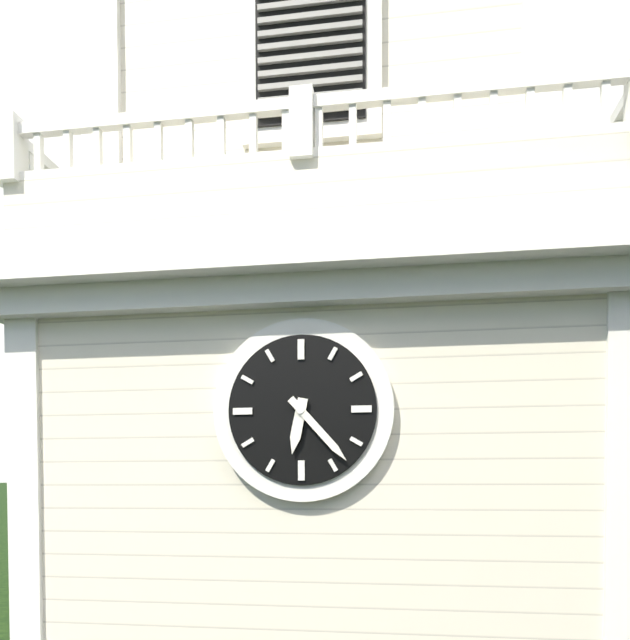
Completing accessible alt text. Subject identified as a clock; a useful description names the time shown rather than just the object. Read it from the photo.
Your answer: 6:23
